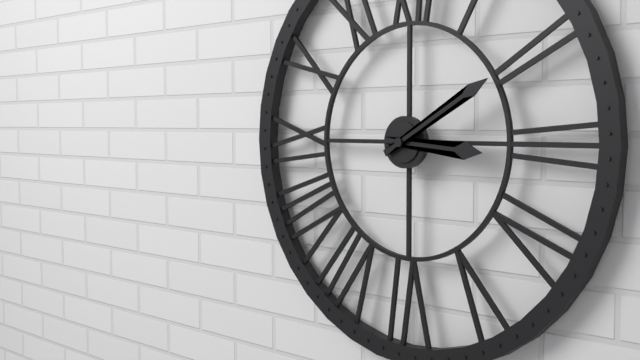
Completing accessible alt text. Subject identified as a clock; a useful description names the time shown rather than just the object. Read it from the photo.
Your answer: 3:10
